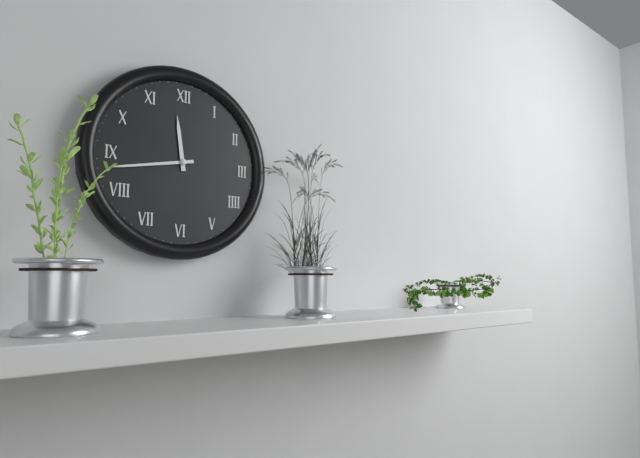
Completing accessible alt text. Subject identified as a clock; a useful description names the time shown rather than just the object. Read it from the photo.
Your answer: 11:43
